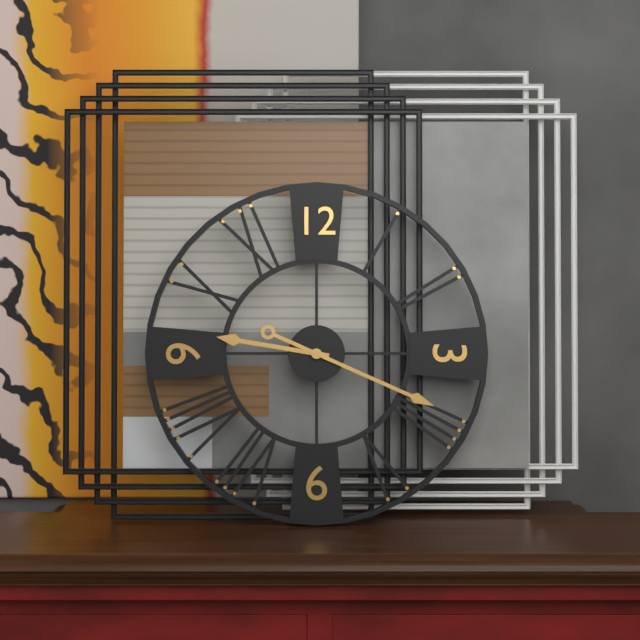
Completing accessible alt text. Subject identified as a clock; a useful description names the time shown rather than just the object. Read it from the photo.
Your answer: 9:19
